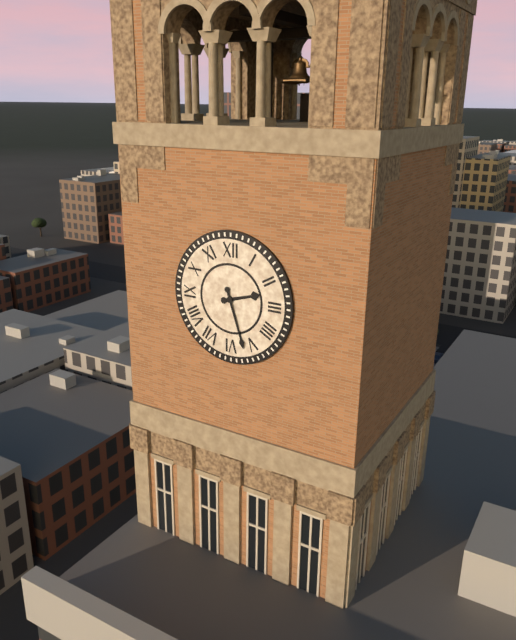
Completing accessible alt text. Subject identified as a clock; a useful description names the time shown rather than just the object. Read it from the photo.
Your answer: 2:27
